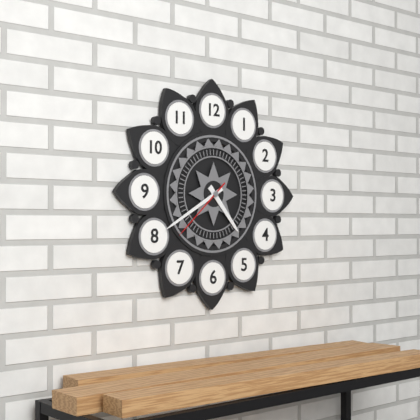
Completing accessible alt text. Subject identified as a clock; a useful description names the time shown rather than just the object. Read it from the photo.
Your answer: 4:40:38
